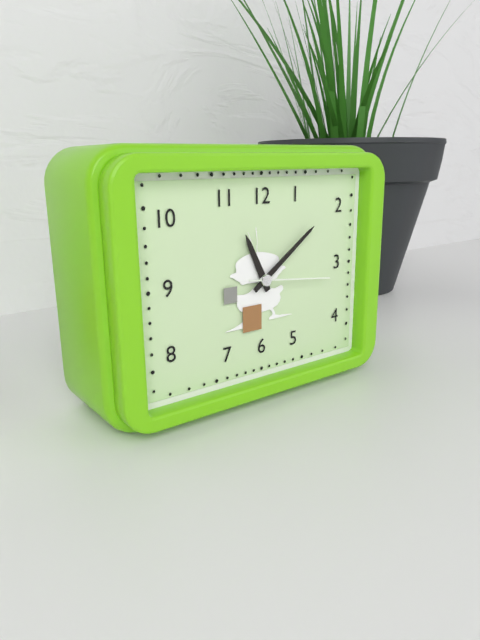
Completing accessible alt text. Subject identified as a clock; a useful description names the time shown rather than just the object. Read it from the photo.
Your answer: 11:09:16
